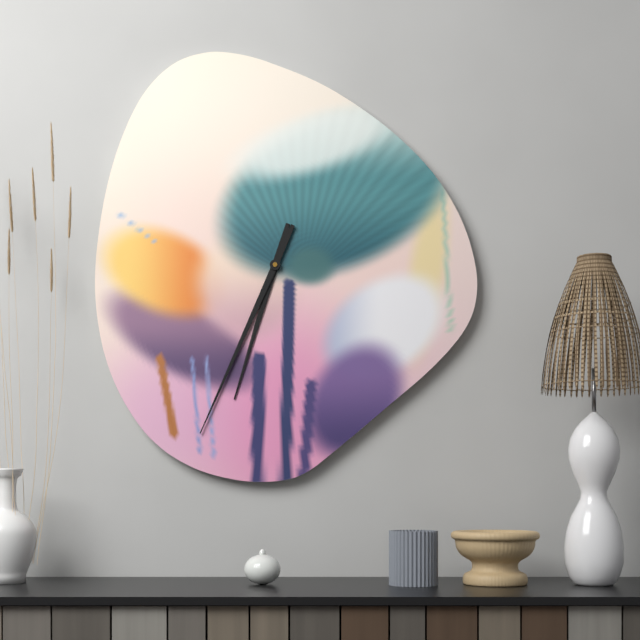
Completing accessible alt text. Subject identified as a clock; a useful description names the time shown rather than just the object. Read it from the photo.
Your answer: 6:34
